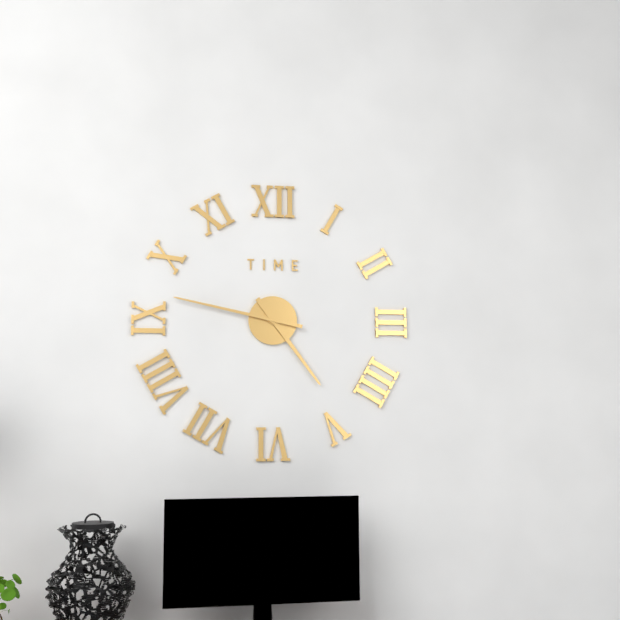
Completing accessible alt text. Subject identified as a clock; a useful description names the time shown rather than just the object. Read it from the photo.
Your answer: 4:47
